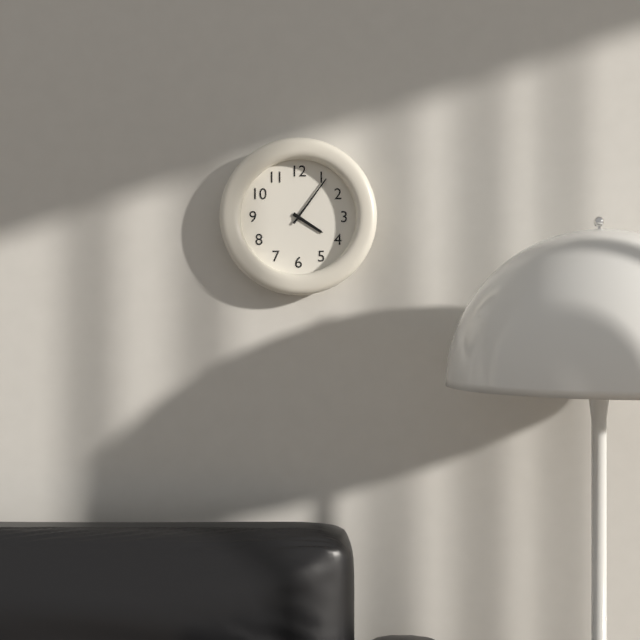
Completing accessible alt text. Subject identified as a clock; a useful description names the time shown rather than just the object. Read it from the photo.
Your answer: 4:06
